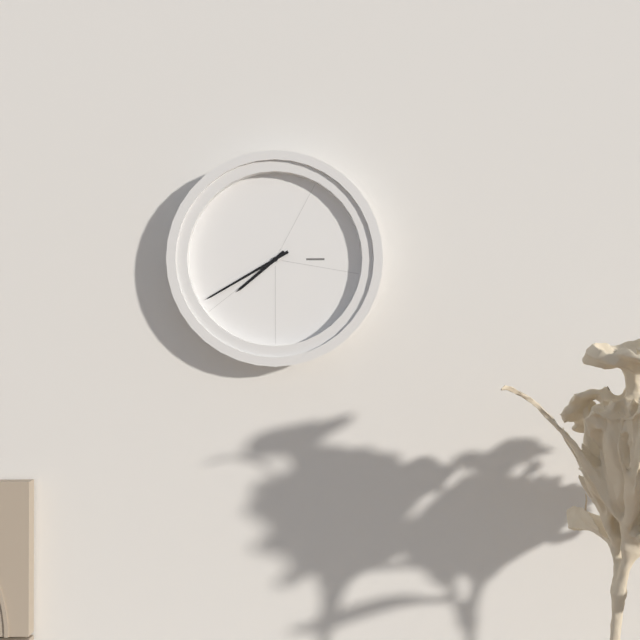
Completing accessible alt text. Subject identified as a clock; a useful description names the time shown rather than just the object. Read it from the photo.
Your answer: 7:40
